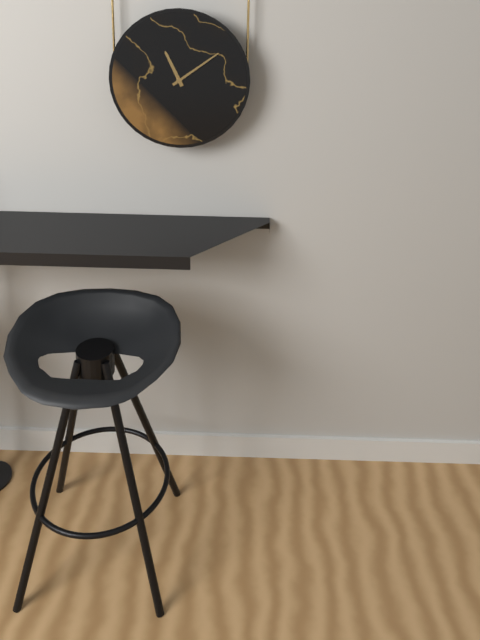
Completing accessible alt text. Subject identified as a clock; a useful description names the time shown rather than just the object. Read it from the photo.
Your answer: 11:09
